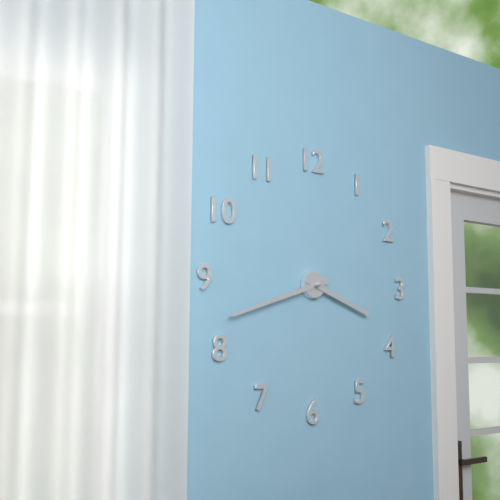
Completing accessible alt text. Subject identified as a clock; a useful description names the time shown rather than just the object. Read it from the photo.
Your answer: 3:42
